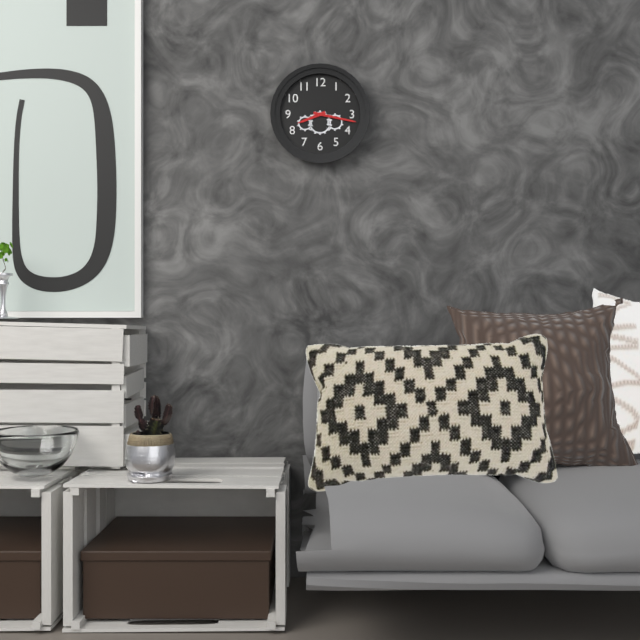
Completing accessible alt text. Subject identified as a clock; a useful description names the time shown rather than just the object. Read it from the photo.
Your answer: 8:17
